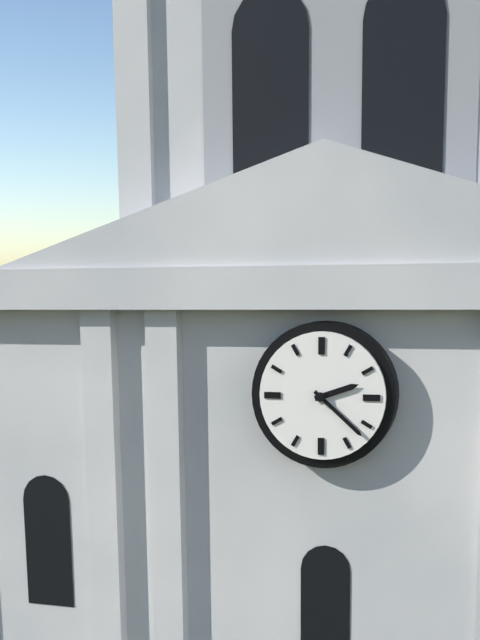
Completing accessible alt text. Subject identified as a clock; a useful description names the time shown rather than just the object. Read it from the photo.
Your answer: 2:22
